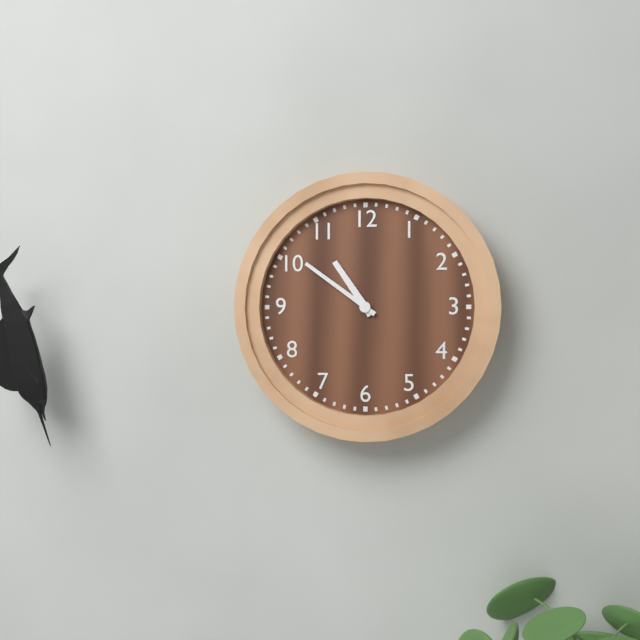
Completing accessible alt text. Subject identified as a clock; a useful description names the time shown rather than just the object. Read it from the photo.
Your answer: 10:51
